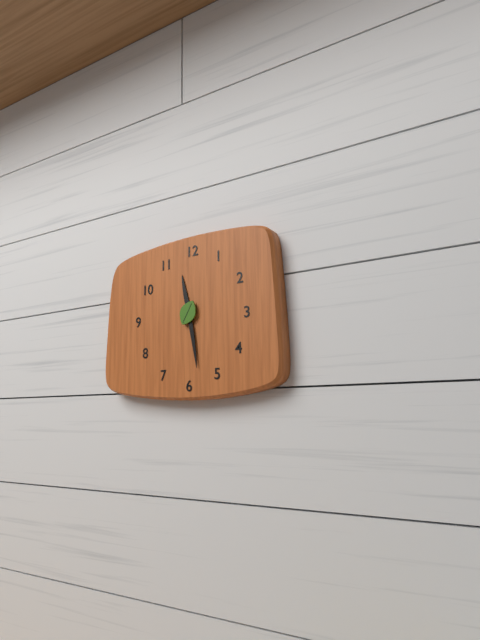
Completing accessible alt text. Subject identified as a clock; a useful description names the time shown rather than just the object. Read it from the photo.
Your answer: 11:28
